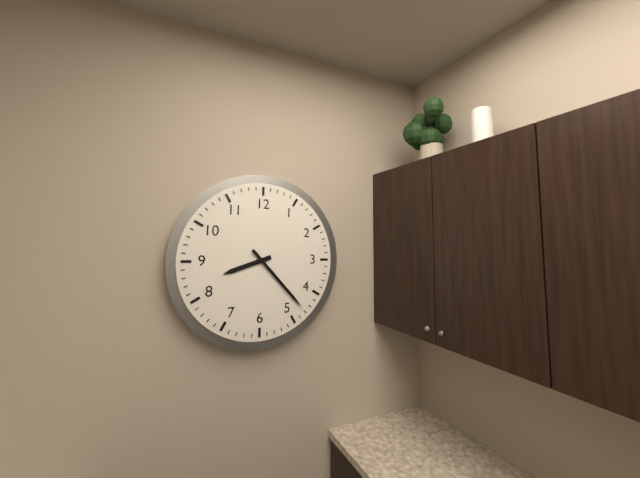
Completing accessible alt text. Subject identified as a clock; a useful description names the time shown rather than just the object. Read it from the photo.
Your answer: 8:23
